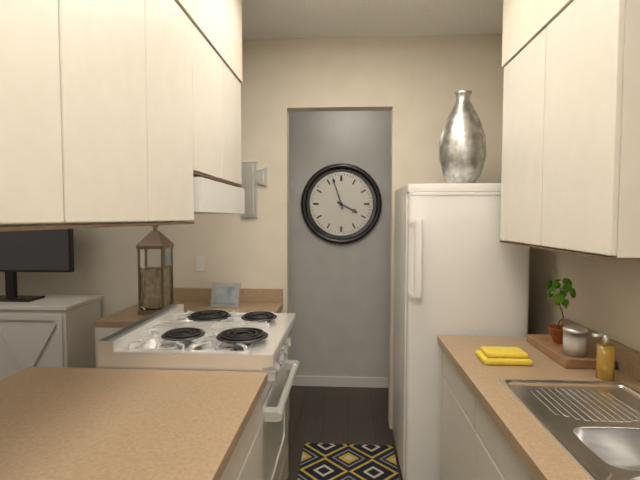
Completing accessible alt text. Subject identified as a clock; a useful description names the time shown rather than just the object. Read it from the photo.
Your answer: 3:57
